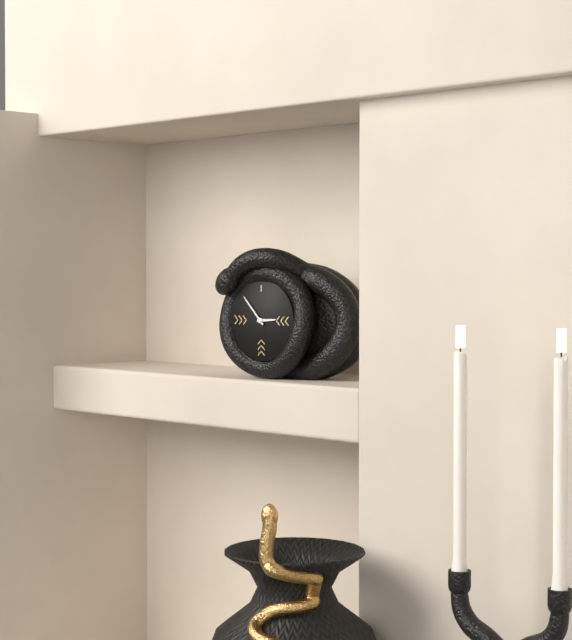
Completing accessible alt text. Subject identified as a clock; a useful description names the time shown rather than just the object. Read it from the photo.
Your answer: 2:53
